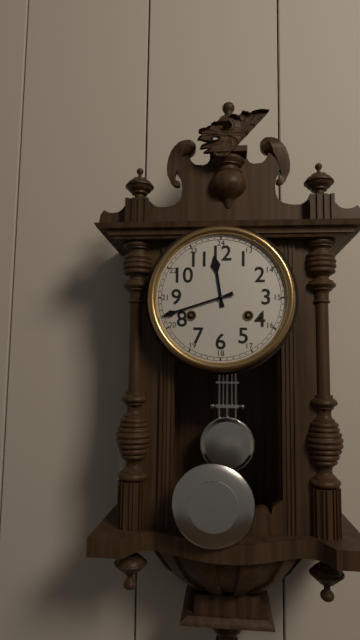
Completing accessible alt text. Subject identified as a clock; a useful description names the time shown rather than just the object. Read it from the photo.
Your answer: 11:42
